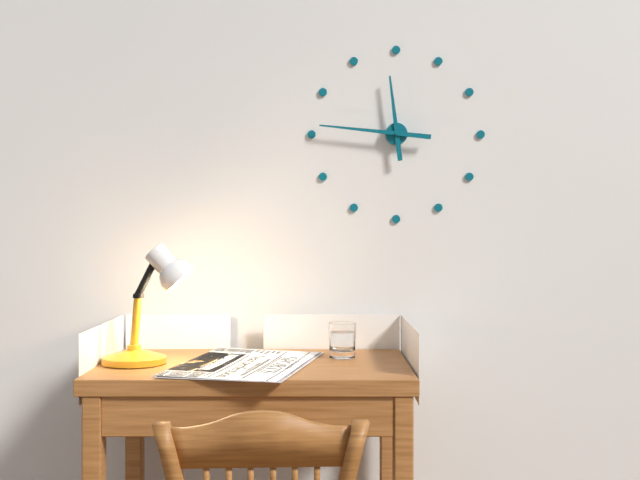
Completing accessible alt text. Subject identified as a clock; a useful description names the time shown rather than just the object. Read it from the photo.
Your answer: 11:46
